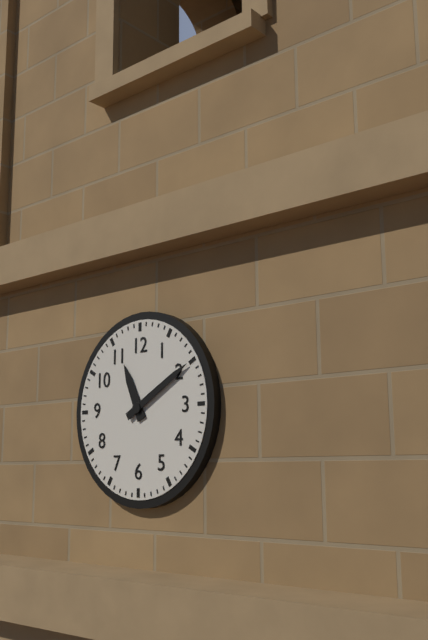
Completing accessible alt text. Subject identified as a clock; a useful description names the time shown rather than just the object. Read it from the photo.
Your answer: 11:10
